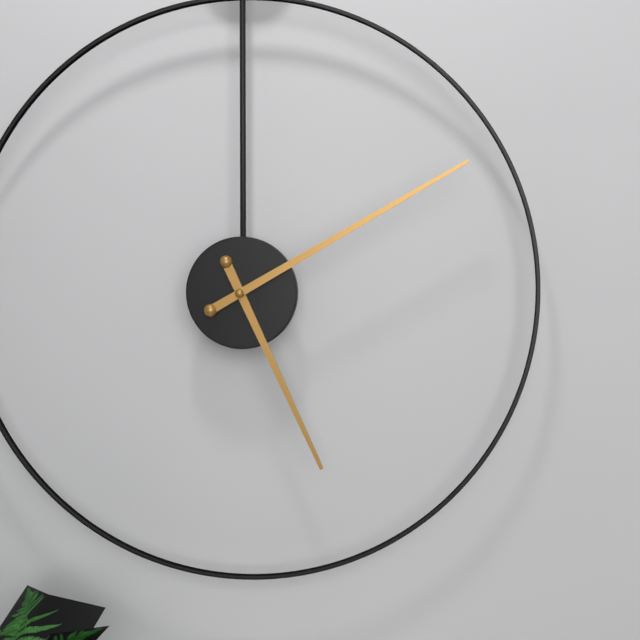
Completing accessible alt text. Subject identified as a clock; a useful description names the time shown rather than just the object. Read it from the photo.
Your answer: 5:10
